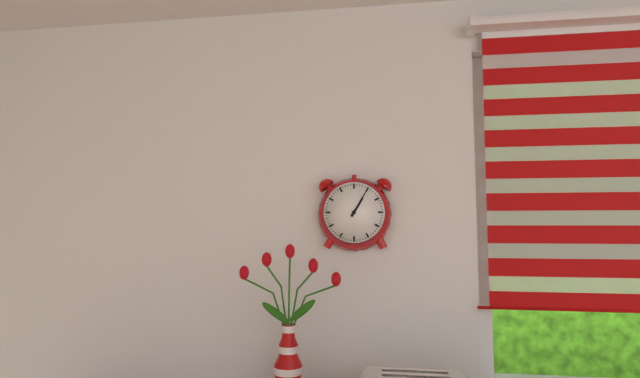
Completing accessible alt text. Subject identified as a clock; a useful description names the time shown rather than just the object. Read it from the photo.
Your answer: 1:05
